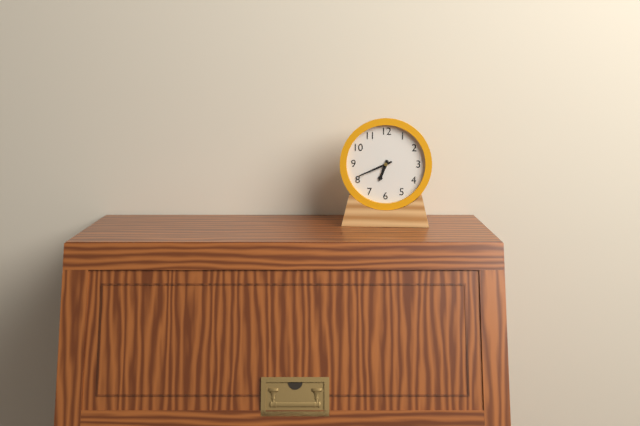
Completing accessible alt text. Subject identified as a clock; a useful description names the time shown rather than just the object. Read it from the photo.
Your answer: 6:41
